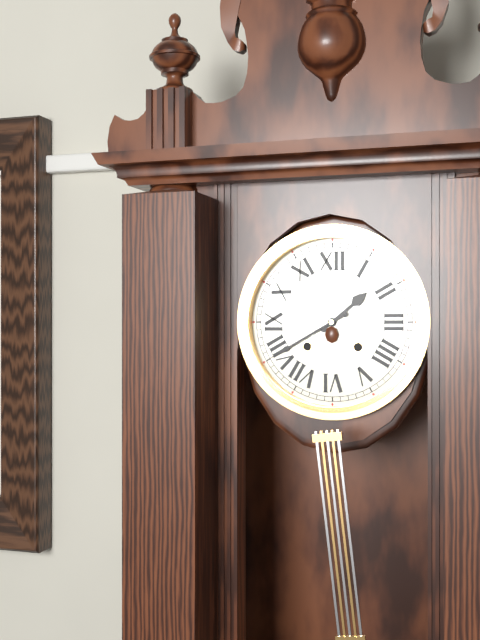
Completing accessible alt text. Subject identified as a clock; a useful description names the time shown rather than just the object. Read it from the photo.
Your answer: 1:40
